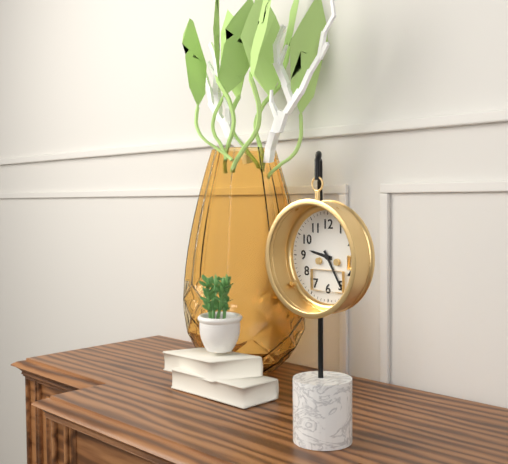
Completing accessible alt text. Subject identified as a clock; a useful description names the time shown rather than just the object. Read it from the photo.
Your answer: 9:25
